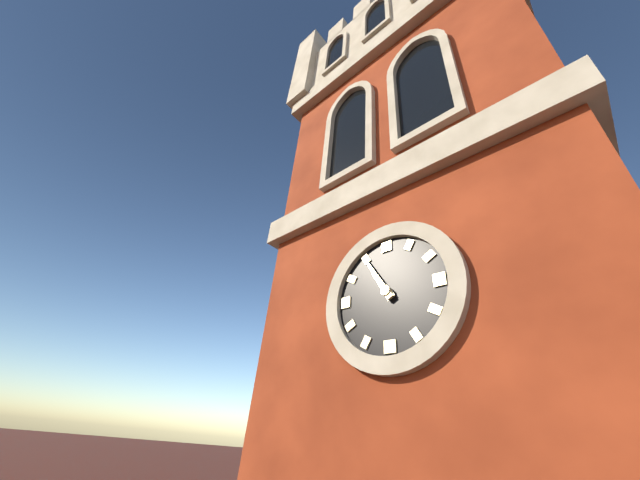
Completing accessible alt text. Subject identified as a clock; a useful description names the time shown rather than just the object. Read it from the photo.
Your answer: 10:55
